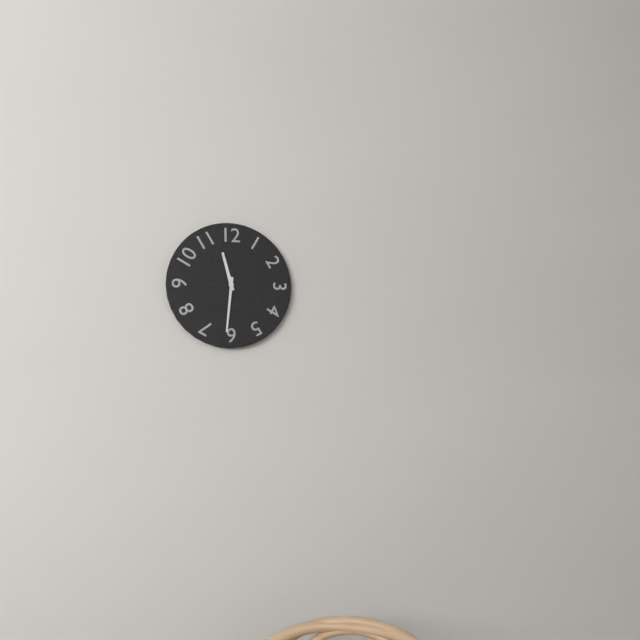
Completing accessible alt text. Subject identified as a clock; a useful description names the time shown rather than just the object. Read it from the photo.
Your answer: 11:31
